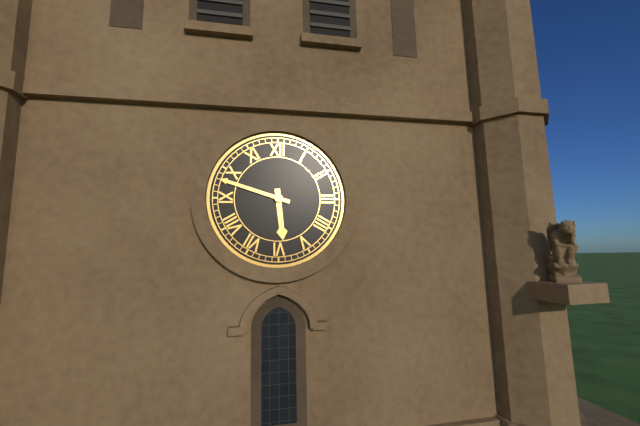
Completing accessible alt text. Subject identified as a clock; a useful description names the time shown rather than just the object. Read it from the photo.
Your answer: 5:48
